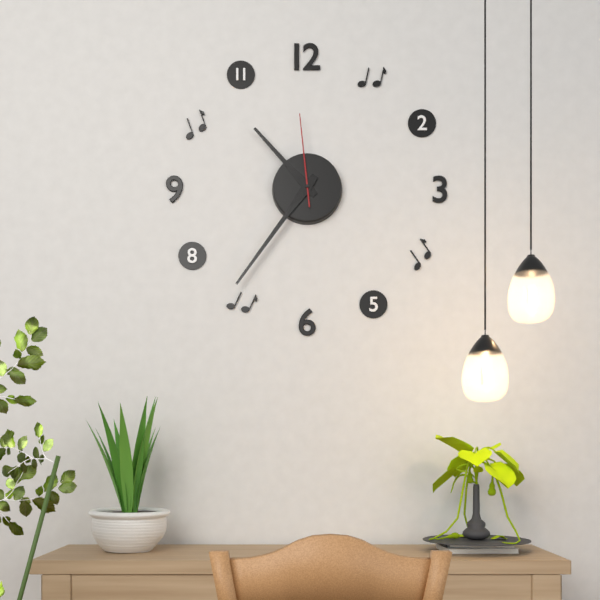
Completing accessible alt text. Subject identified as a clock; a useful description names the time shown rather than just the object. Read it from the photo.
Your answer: 10:36:59
